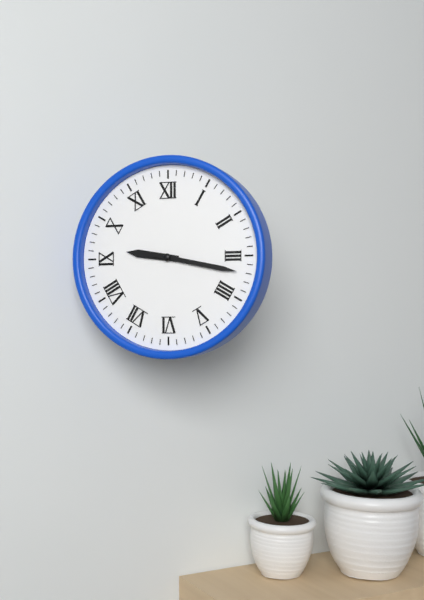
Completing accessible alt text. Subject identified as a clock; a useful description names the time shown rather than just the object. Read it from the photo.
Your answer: 9:17
